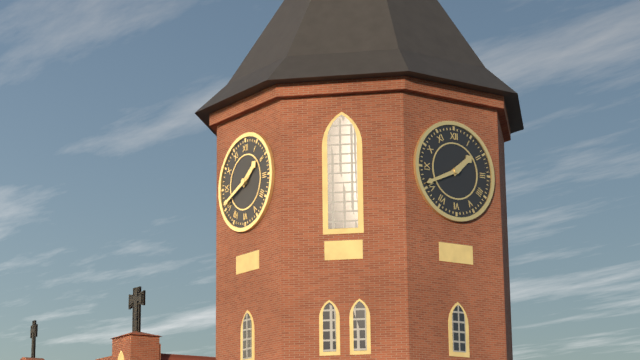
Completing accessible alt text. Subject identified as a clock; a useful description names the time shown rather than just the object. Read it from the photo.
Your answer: 1:41
